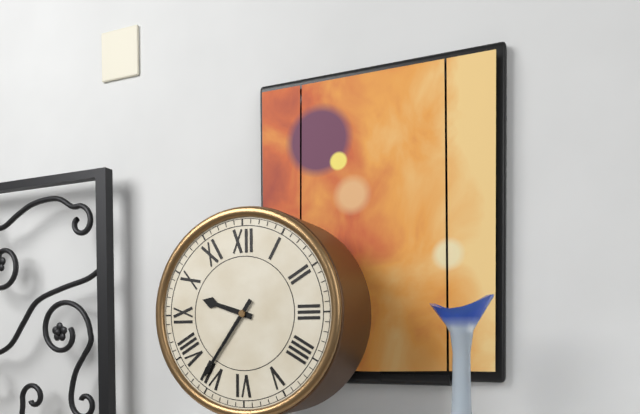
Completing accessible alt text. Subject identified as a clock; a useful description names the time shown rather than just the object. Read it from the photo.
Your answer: 9:36
